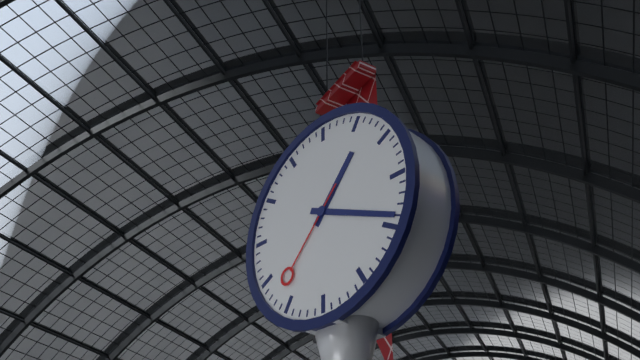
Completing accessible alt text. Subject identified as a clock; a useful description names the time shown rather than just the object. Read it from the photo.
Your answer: 1:19:37
